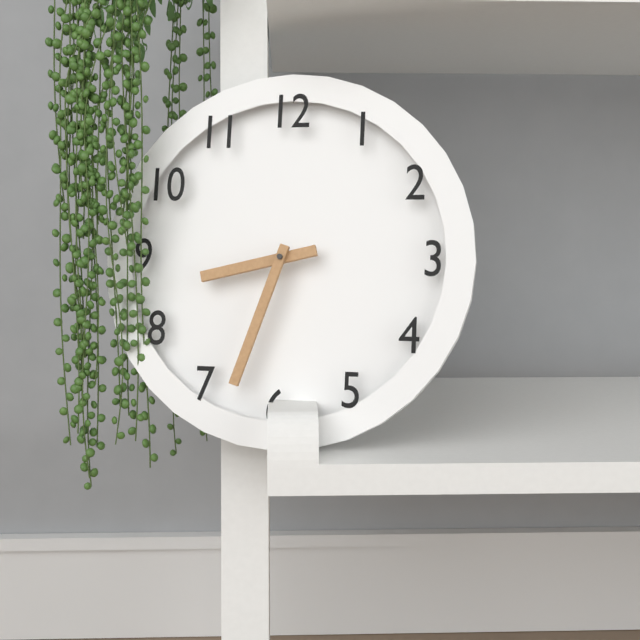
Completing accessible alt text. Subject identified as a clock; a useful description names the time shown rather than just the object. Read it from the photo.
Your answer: 8:33
